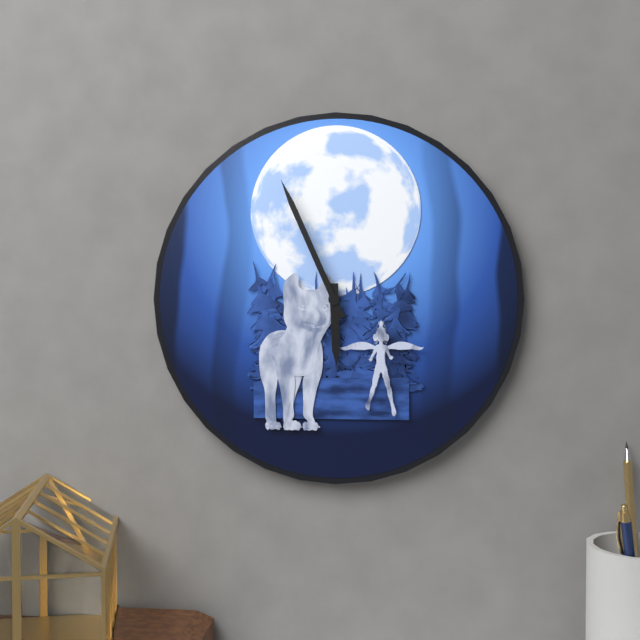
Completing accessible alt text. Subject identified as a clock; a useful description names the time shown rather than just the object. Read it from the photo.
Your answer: 5:56
